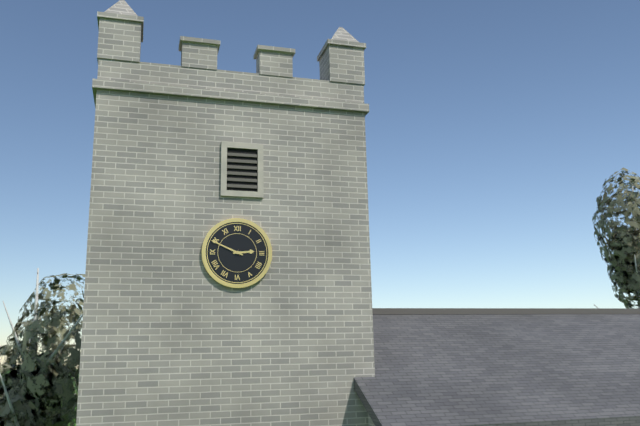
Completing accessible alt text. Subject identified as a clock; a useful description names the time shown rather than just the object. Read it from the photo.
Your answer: 2:49
